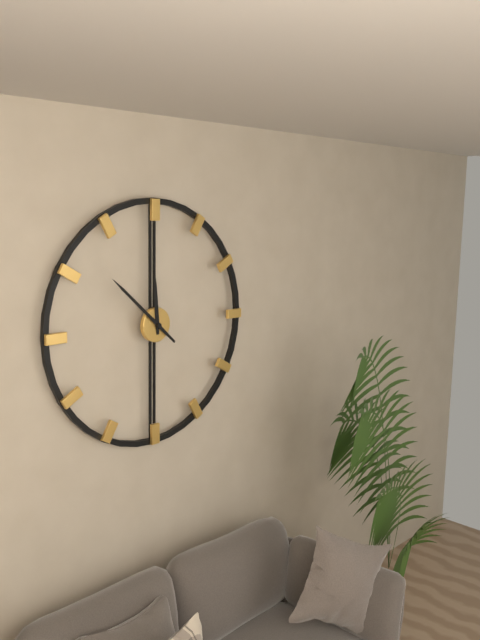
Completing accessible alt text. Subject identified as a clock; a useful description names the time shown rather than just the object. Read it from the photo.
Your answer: 11:52
